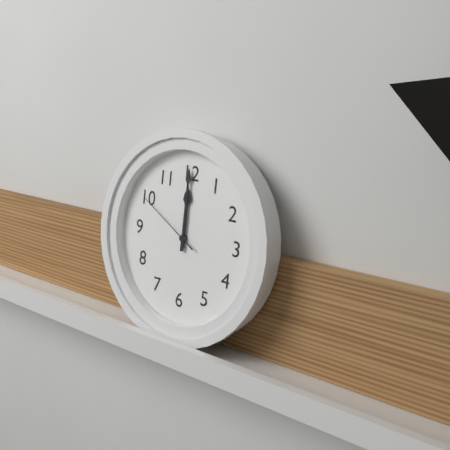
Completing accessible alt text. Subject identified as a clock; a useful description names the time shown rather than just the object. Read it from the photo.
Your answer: 12:00:50
